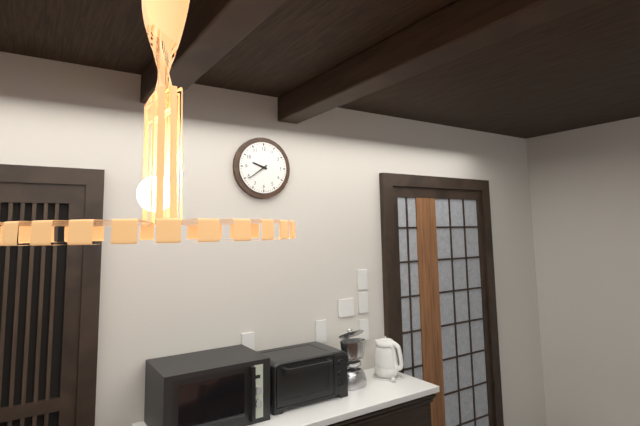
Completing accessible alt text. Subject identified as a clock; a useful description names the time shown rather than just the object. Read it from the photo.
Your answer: 9:39
